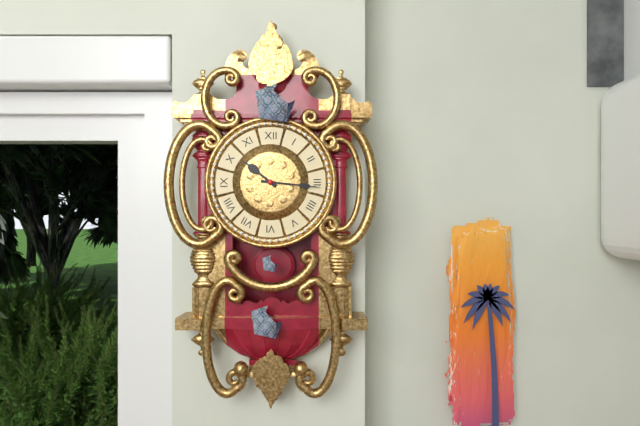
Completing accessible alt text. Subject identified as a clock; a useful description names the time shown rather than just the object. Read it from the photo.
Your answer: 10:16
